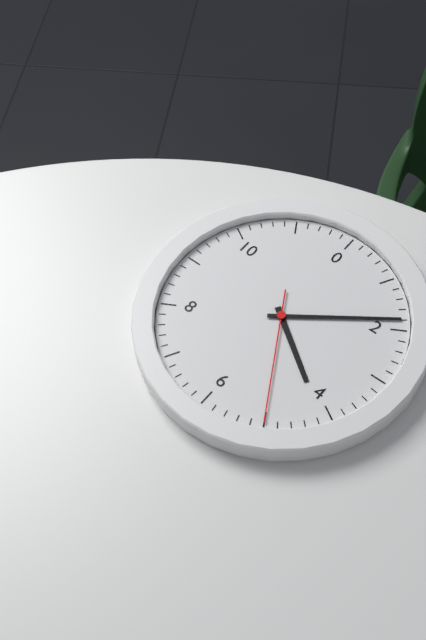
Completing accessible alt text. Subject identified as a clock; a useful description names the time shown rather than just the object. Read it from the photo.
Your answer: 4:09:25
